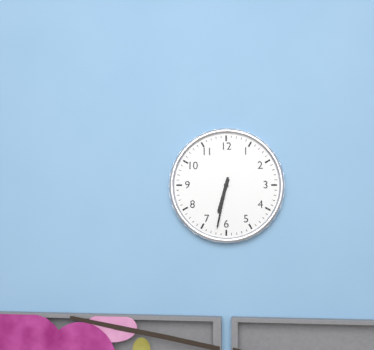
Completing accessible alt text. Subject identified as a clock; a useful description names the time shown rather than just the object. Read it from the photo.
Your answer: 6:32
